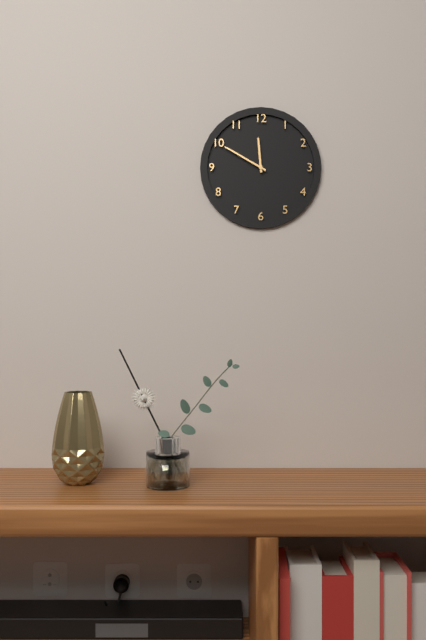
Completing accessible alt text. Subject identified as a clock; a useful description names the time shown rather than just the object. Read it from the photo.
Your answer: 11:50
